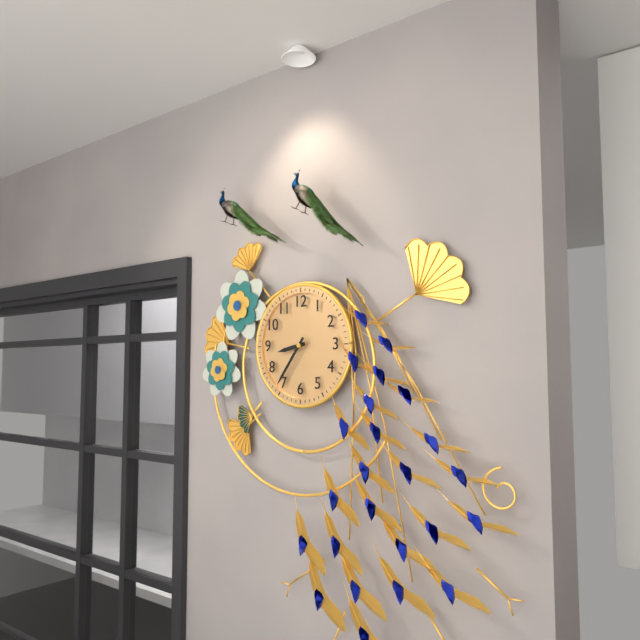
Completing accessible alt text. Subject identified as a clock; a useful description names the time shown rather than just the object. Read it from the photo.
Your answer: 8:36
